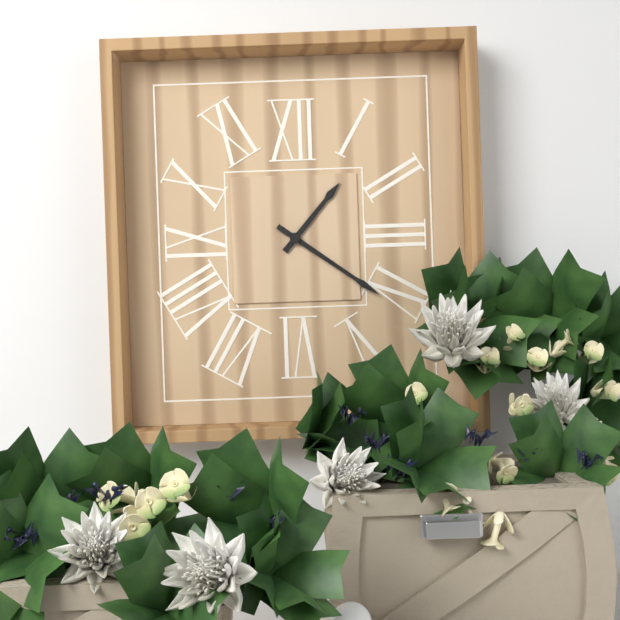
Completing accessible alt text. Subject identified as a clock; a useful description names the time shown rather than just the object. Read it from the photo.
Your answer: 1:21
